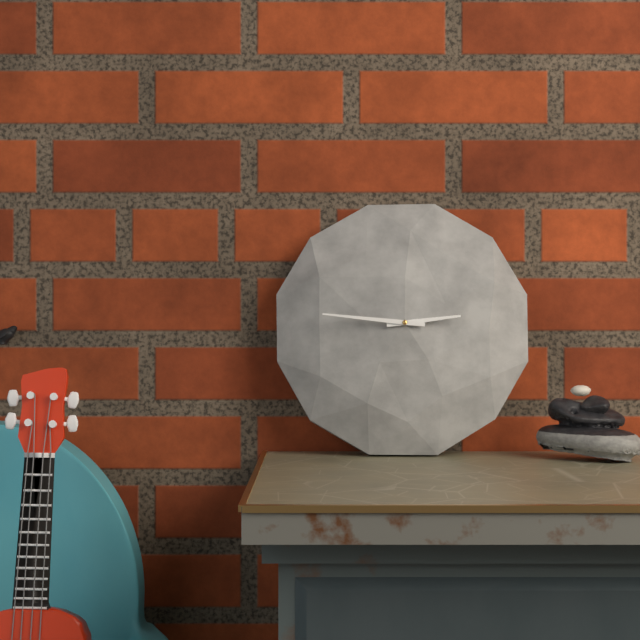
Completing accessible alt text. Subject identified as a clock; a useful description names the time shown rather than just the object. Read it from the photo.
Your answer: 2:46
